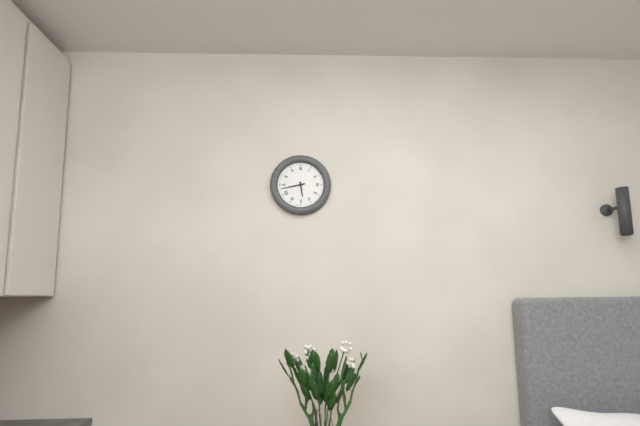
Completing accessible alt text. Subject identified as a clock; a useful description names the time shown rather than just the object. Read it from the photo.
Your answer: 5:43
